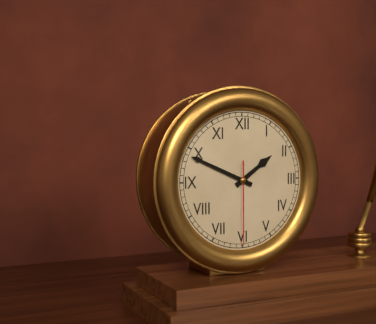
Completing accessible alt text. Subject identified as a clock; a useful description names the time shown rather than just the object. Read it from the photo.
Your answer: 1:49:30
